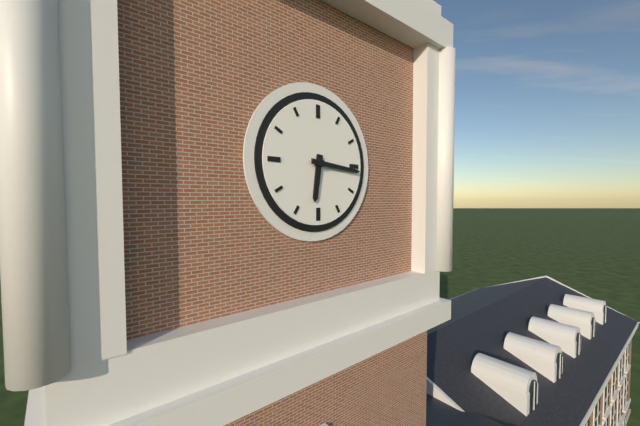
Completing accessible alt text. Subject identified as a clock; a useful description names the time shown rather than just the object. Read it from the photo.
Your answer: 6:16
